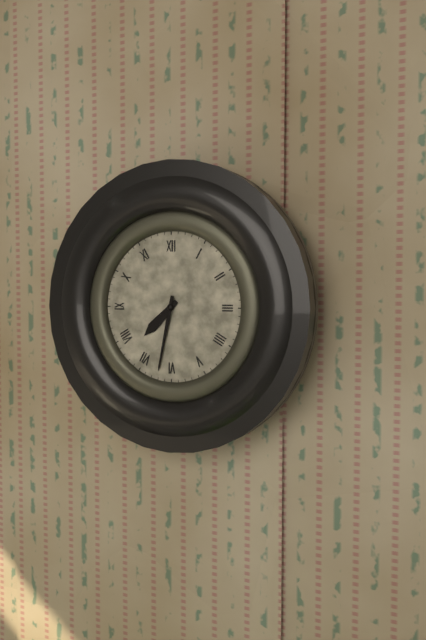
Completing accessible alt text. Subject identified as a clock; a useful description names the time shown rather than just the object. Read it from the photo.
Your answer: 7:32
